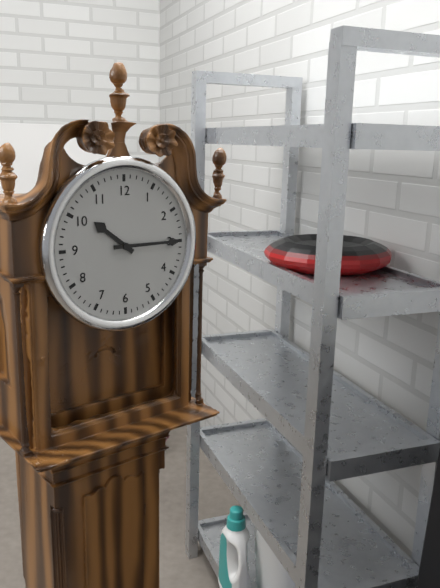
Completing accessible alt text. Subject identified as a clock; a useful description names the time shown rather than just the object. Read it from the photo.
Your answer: 10:15
